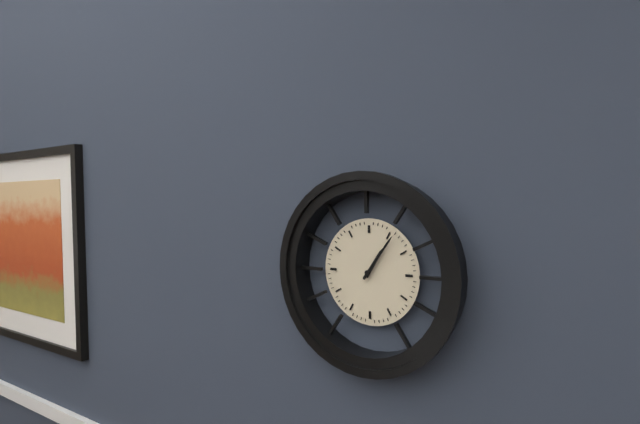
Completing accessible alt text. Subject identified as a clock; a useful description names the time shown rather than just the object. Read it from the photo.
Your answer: 1:06
